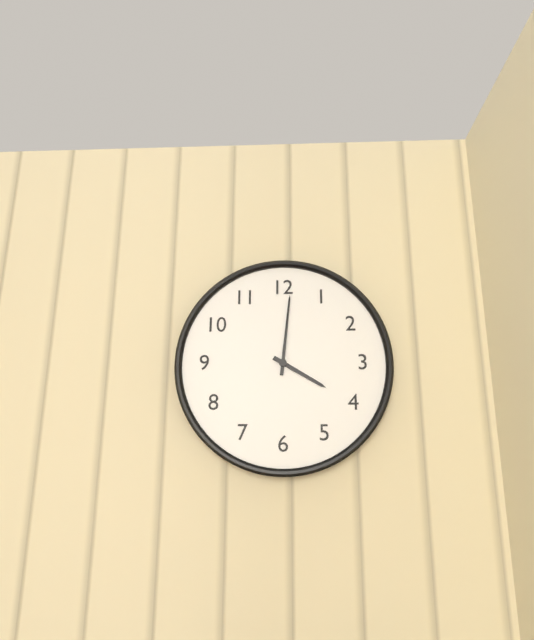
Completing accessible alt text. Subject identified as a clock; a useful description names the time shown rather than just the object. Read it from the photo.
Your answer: 4:01
